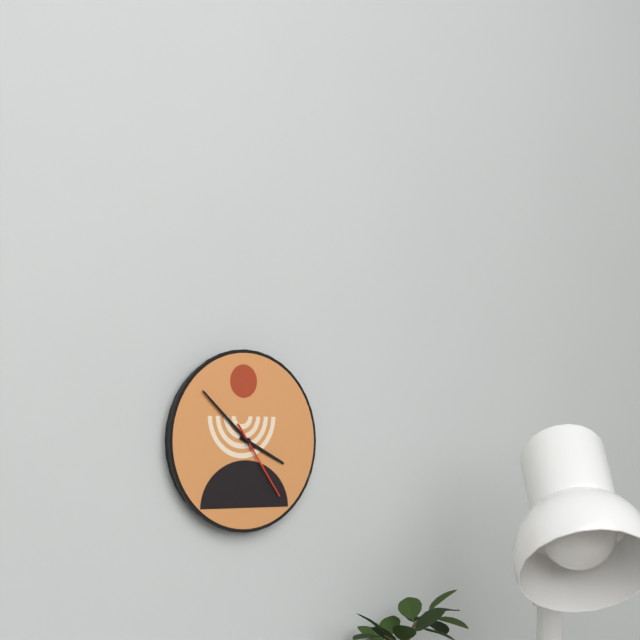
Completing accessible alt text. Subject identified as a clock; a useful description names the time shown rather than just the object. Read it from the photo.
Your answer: 3:52:24
